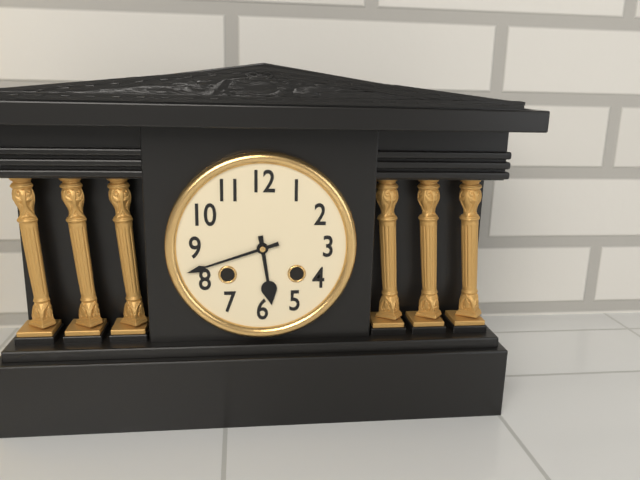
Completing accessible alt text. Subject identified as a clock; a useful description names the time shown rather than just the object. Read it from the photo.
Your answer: 5:42
